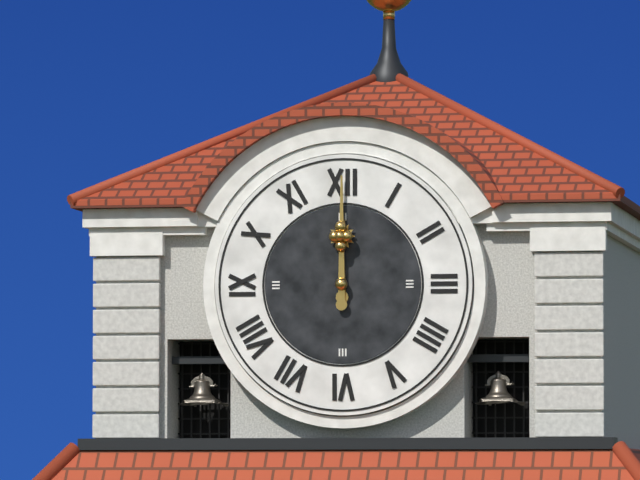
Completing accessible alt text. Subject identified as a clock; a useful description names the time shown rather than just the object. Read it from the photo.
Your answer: 12:00
